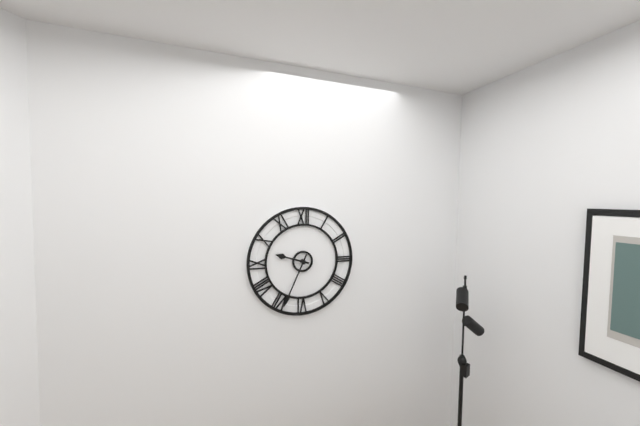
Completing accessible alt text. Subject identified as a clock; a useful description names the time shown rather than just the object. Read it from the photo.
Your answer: 9:34
